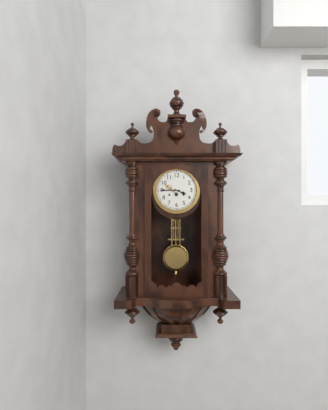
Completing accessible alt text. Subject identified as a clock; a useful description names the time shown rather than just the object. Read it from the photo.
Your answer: 3:45
